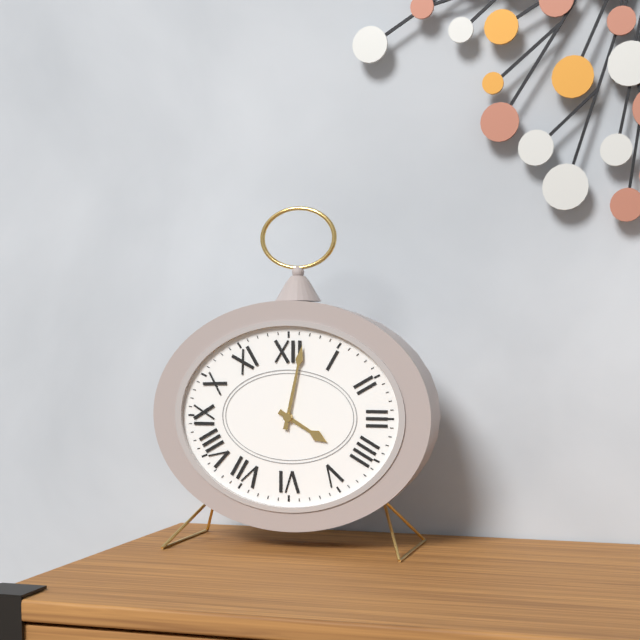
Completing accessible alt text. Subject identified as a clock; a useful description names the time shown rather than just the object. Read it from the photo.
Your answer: 4:02
